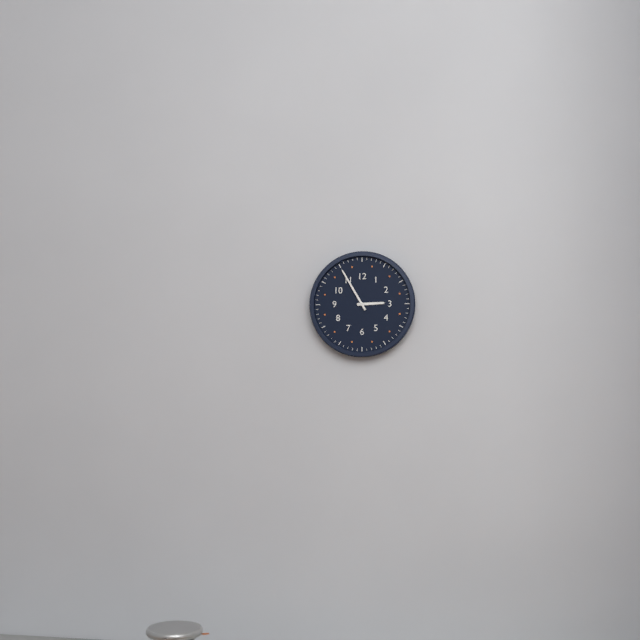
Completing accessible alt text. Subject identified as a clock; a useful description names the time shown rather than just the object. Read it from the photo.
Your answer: 2:55
